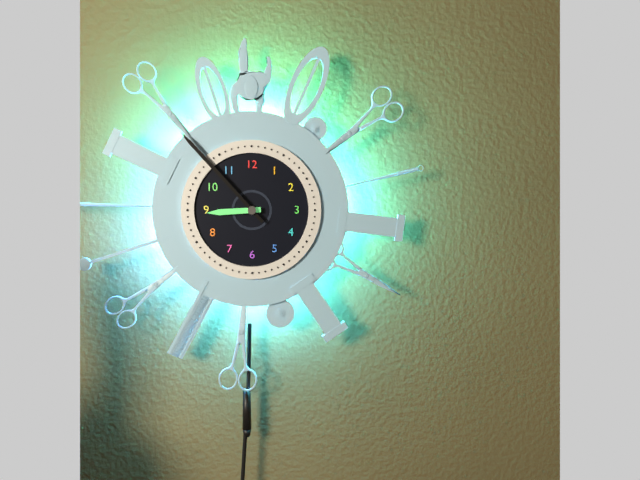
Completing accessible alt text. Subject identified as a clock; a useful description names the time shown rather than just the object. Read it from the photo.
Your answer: 8:53
